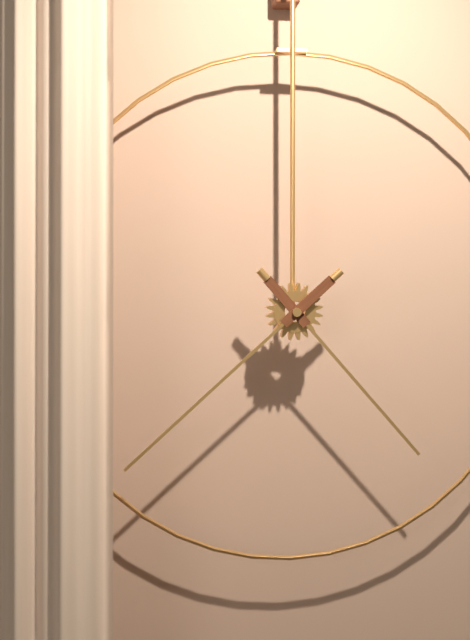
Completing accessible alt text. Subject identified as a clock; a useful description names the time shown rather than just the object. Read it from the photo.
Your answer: 4:38
